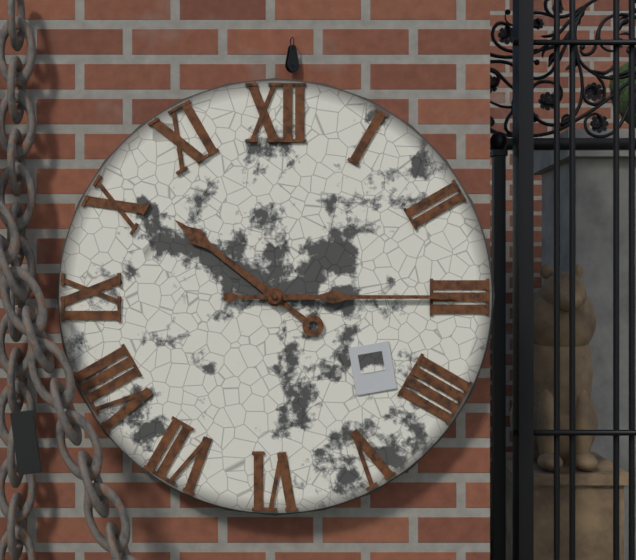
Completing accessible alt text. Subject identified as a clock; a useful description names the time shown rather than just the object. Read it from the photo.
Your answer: 10:15
